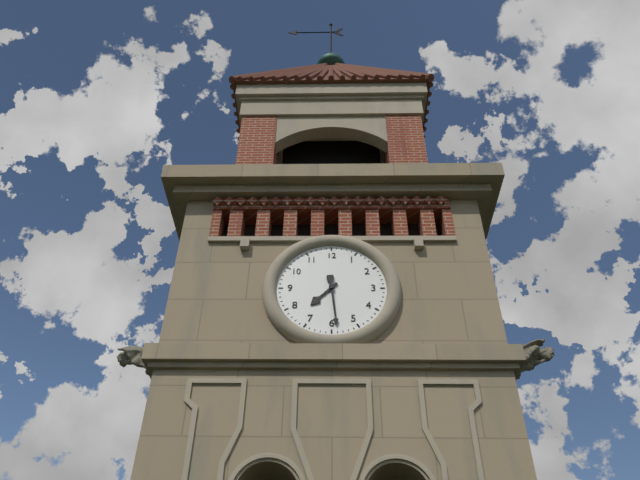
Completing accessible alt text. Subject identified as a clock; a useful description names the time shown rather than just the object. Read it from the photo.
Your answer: 7:29
